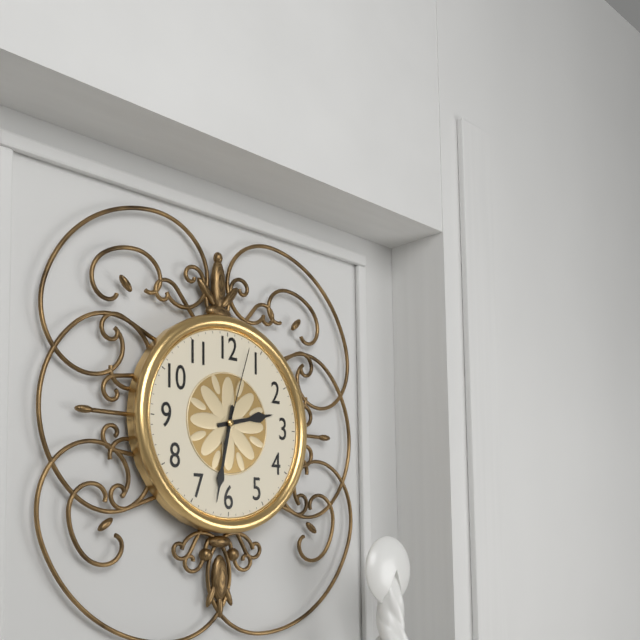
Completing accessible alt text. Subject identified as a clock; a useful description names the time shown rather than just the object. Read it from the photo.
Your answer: 2:32:03
